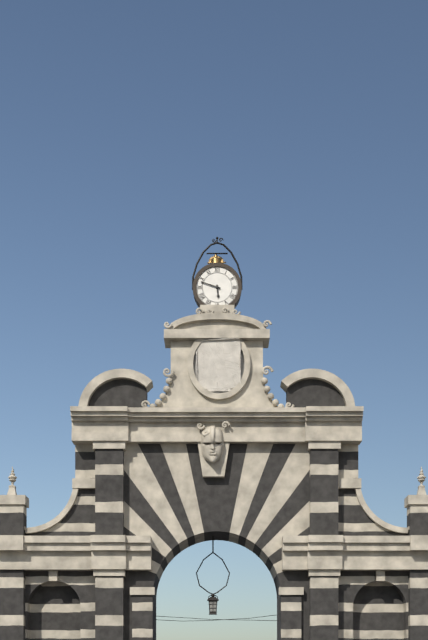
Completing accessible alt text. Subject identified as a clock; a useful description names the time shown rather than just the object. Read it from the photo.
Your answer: 5:48
